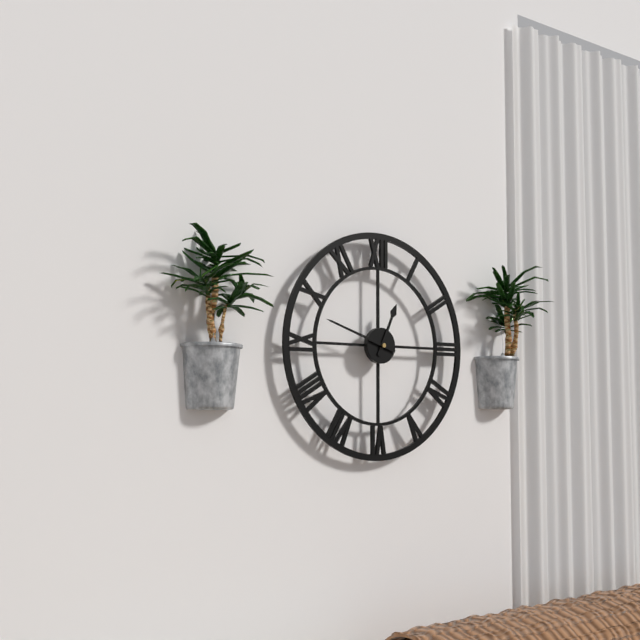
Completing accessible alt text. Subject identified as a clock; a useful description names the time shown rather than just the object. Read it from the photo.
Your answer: 12:48
